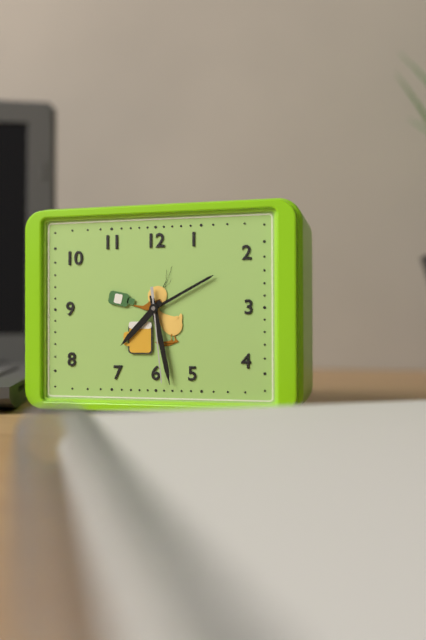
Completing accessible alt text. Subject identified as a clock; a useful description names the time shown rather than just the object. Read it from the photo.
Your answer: 7:28:29
